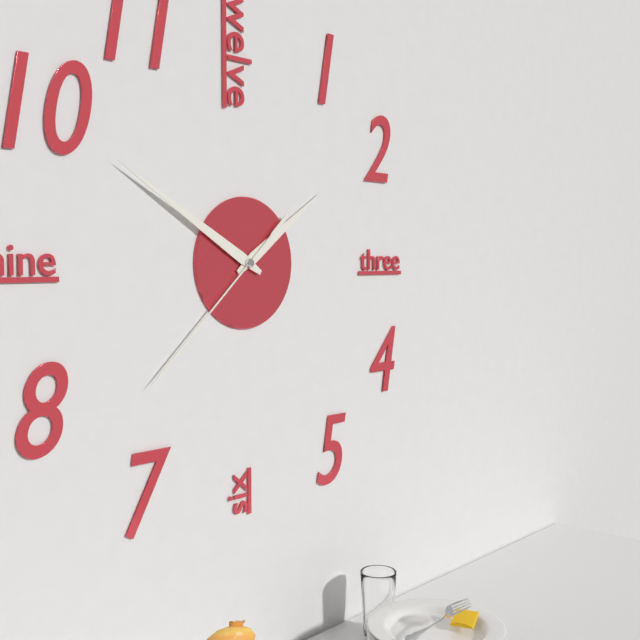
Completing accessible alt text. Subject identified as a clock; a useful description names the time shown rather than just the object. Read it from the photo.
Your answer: 1:50:38
